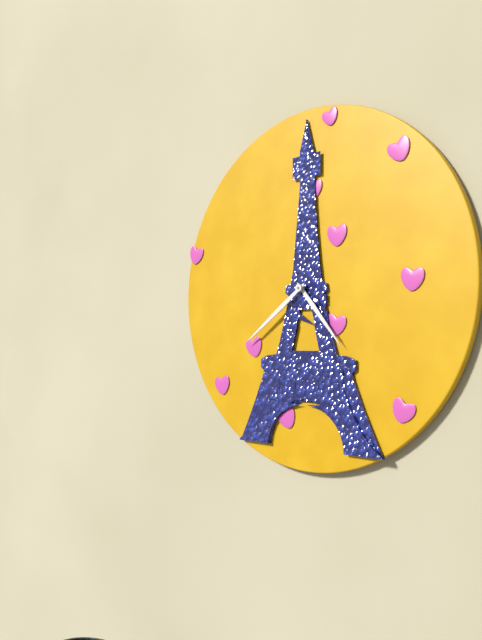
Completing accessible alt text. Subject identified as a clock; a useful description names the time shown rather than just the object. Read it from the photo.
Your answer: 4:39
